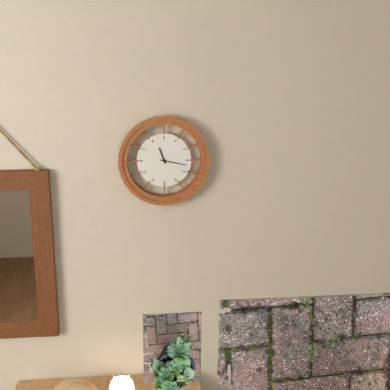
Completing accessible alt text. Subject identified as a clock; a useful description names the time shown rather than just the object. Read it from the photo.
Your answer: 11:17
